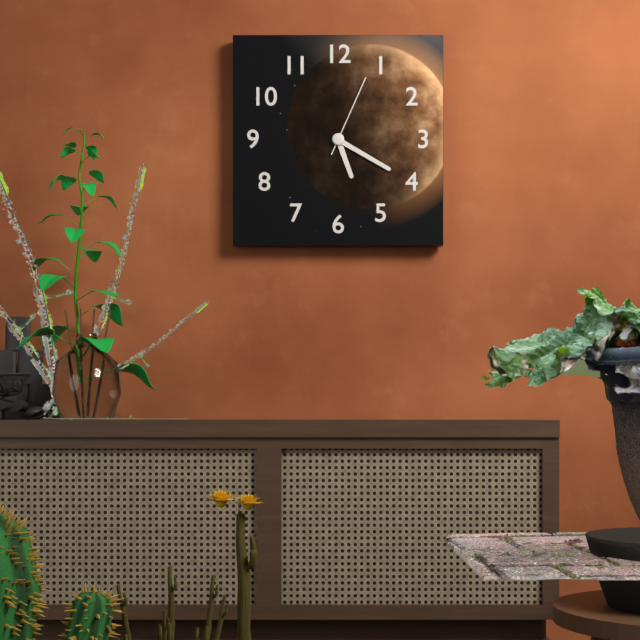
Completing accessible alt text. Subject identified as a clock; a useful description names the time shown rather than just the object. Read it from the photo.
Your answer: 5:20:04
